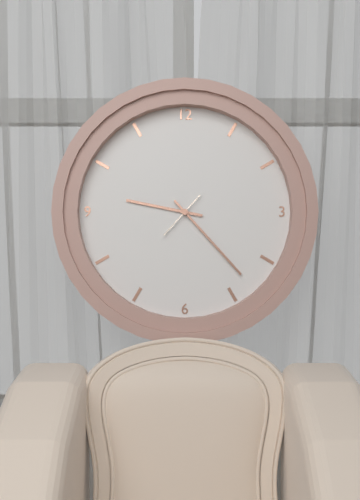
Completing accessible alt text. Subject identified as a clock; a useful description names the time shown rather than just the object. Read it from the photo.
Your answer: 9:23
